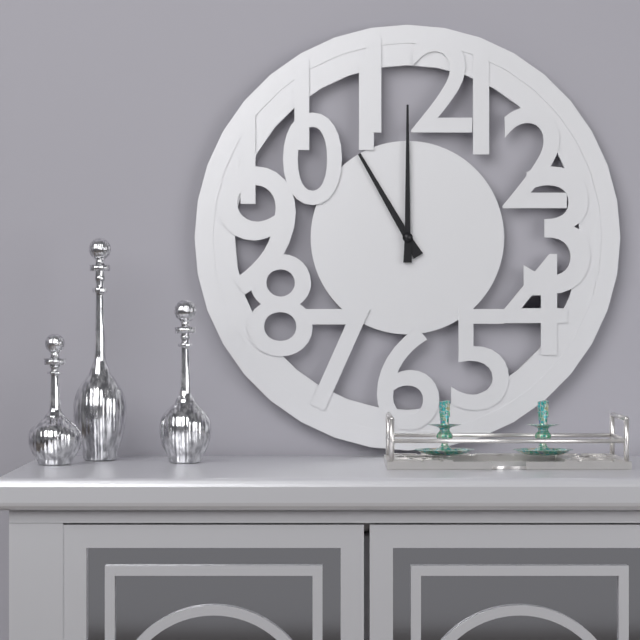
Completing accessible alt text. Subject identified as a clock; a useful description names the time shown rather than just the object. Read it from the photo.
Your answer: 11:00
